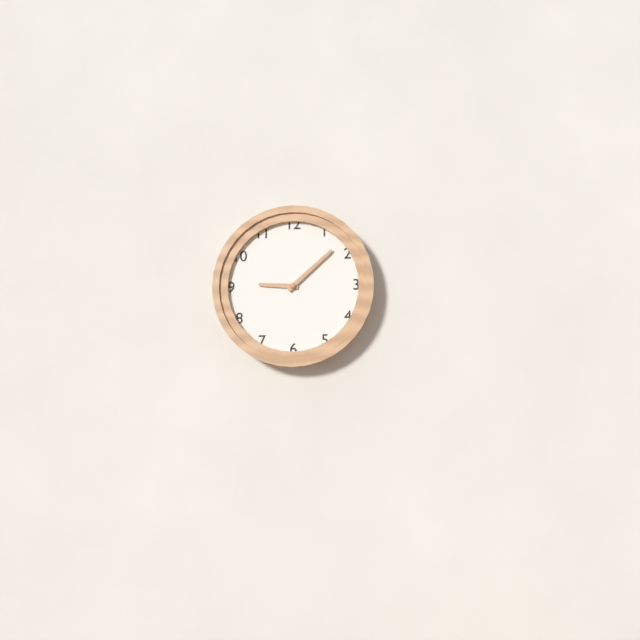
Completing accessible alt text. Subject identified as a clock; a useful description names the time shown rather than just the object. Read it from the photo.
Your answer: 9:08
